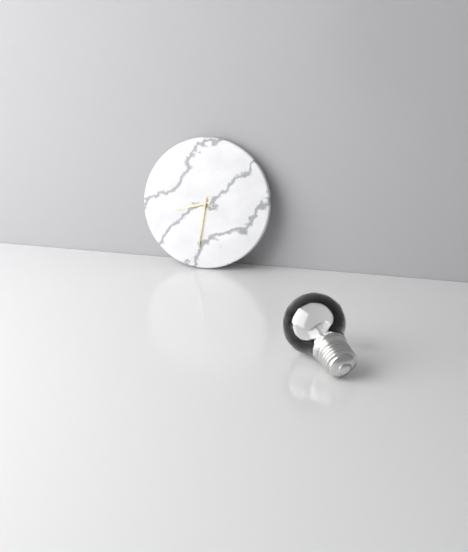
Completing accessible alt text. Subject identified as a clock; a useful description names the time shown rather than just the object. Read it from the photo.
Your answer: 8:31
